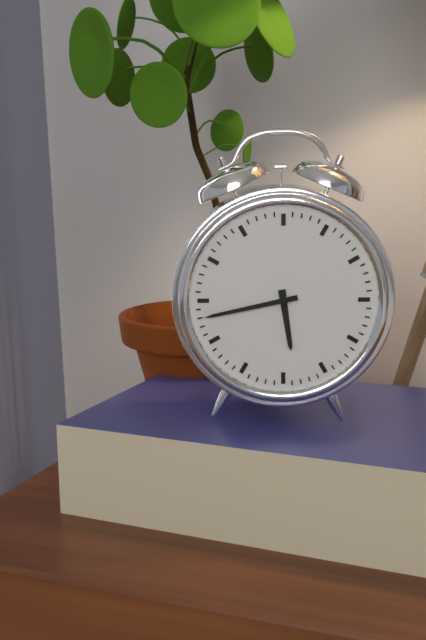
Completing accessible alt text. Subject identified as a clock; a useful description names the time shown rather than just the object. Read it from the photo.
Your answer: 5:43
